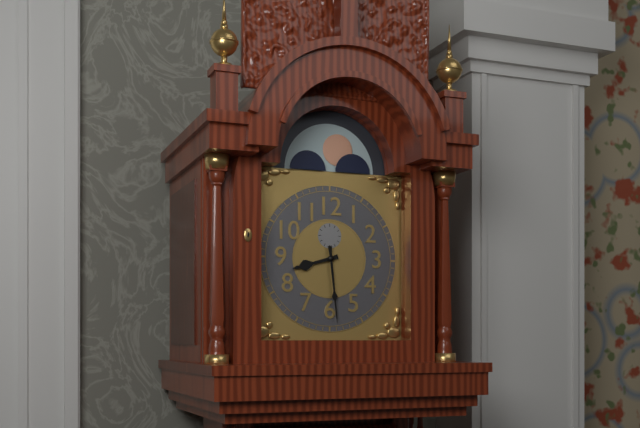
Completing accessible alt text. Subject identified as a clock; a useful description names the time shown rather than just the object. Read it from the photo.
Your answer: 8:29
